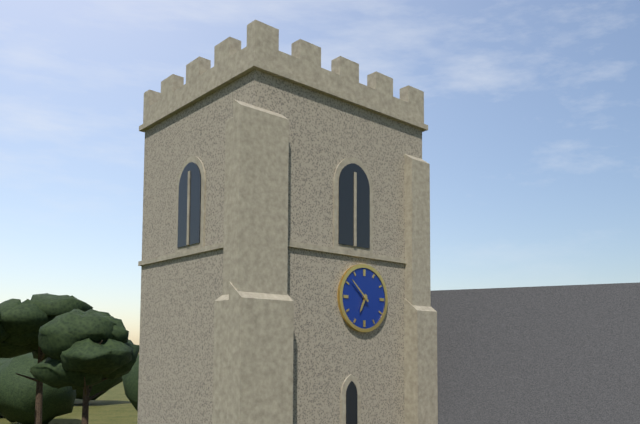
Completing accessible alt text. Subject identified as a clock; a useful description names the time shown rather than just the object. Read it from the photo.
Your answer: 6:52
